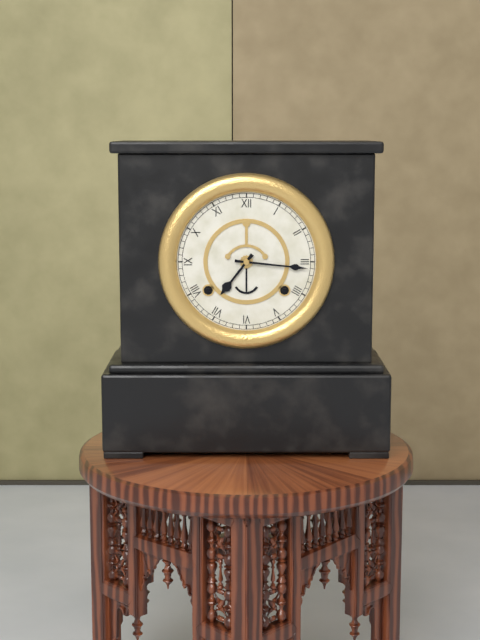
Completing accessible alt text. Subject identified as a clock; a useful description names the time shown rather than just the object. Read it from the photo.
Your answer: 7:16
